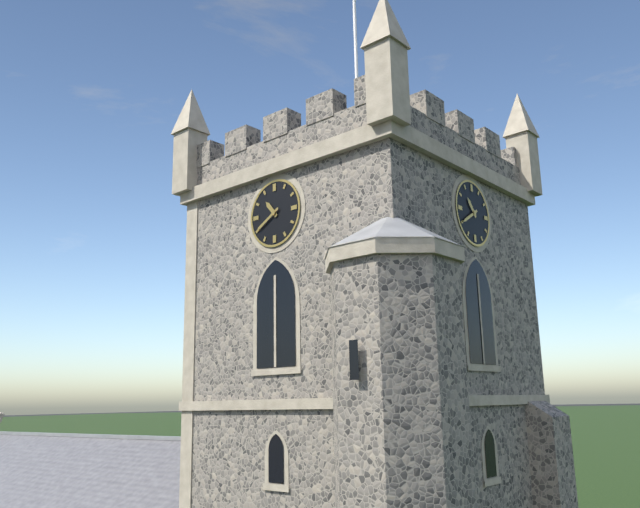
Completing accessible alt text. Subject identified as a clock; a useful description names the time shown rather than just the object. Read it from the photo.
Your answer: 10:40
